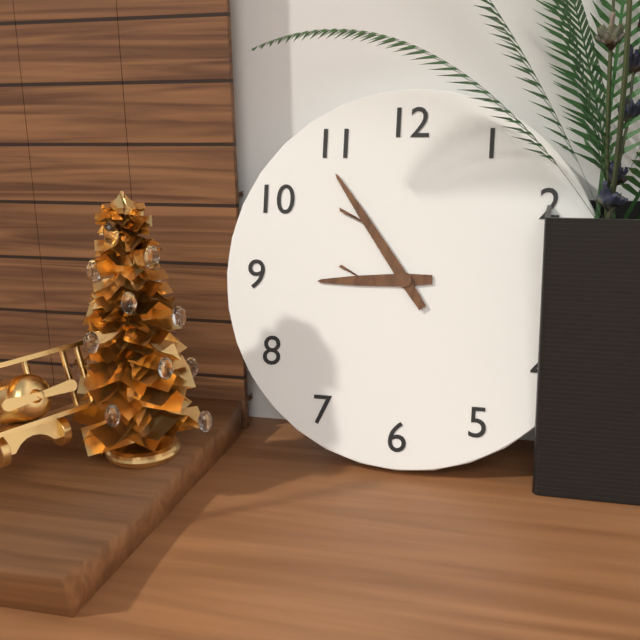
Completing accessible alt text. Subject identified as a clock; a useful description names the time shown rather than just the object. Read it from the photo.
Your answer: 8:54
